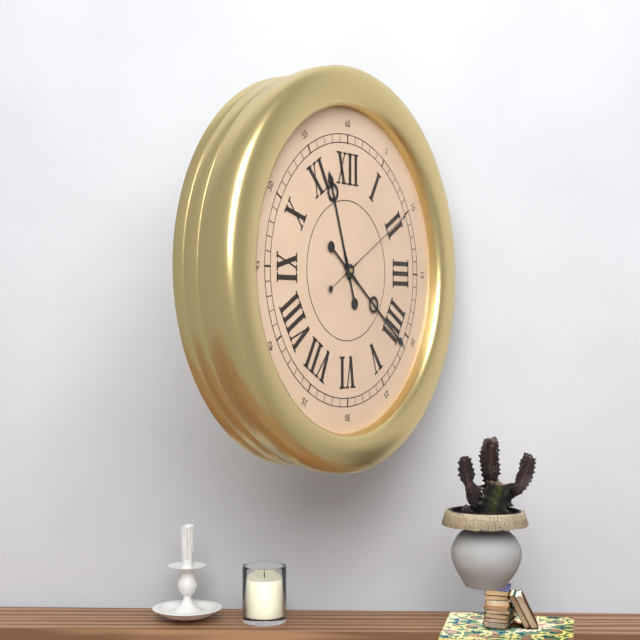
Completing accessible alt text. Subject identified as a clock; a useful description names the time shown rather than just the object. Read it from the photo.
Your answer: 11:21:10
